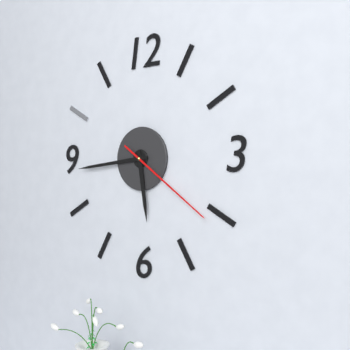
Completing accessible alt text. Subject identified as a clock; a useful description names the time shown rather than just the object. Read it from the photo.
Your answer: 5:44:21
